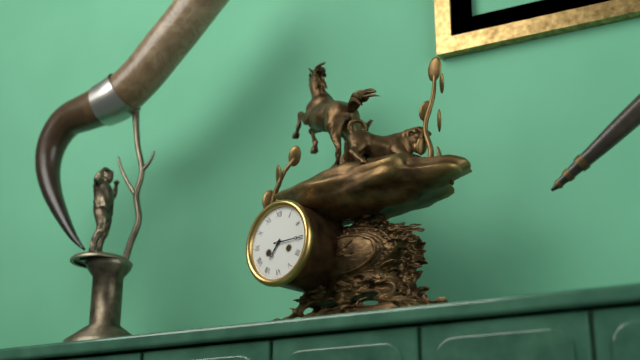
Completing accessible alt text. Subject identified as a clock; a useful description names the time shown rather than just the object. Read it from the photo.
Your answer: 7:15
